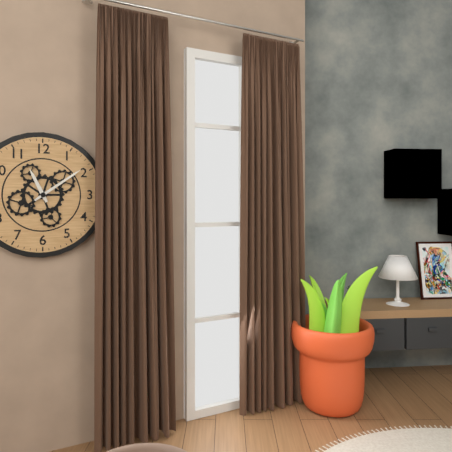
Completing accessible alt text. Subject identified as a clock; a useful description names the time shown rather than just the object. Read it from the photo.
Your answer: 11:09
